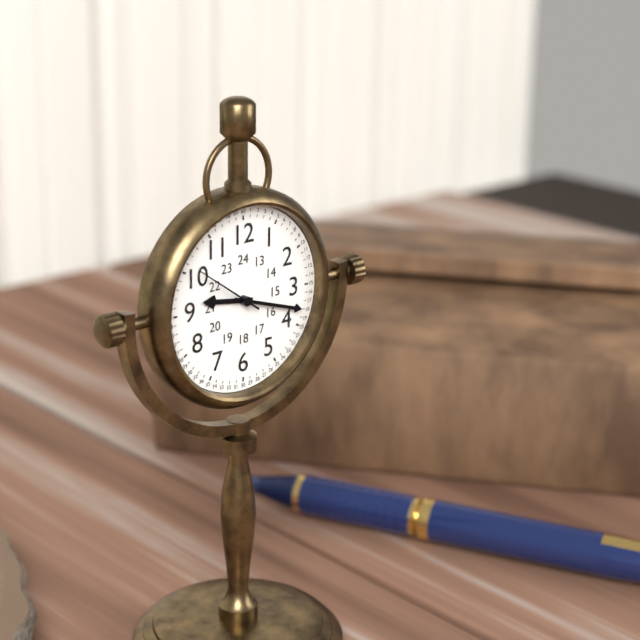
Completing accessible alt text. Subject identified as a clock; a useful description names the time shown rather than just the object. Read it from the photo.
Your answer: 9:18:51
